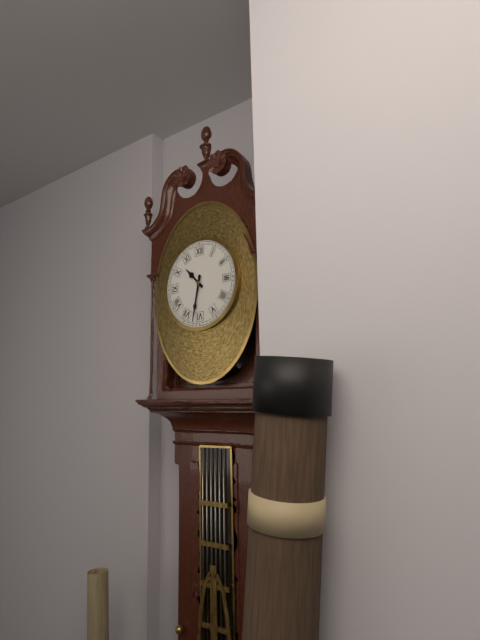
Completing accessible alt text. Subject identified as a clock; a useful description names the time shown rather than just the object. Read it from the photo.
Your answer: 10:32
